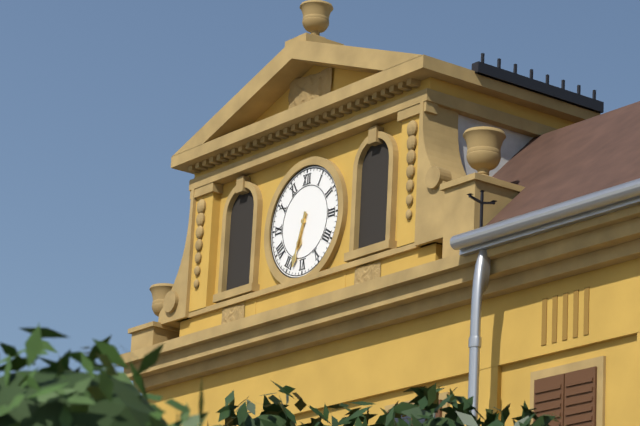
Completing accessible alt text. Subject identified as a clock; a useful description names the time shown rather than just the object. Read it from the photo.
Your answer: 6:33
